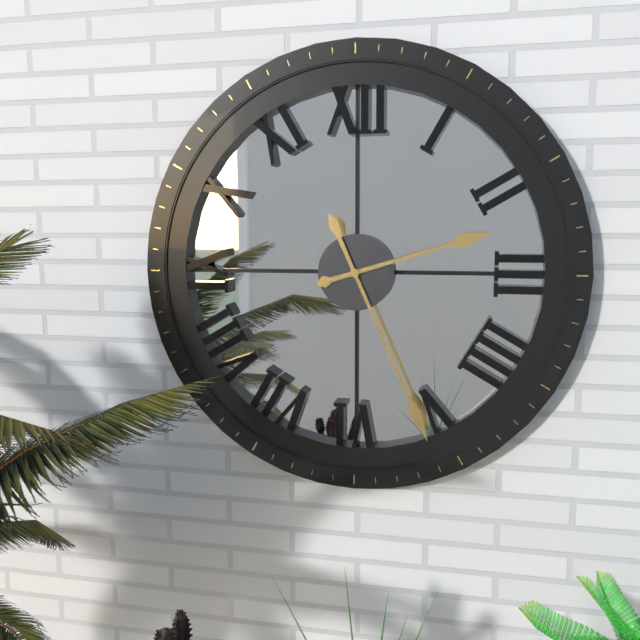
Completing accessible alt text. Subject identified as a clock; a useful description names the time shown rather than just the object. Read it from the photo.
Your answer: 2:26
